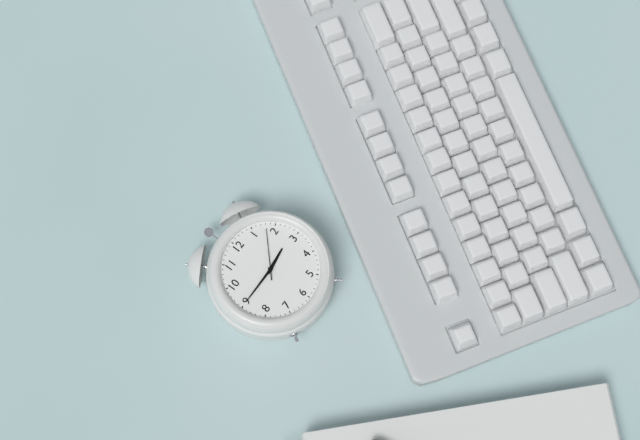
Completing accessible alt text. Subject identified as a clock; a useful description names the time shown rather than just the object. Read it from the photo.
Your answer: 2:45:08
